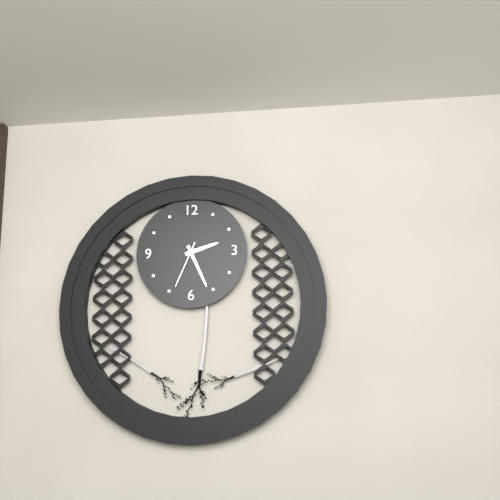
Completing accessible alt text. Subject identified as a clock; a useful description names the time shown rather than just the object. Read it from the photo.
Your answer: 2:26
